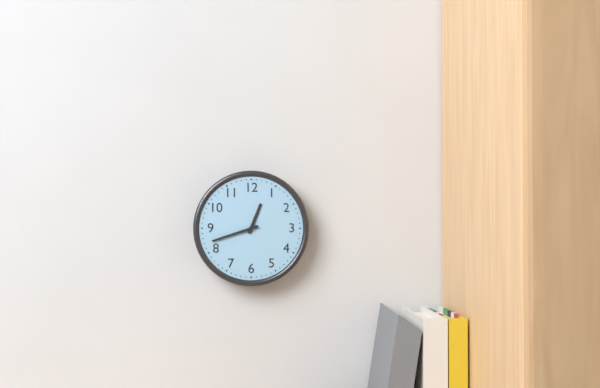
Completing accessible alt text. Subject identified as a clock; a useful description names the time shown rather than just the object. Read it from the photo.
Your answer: 12:42
